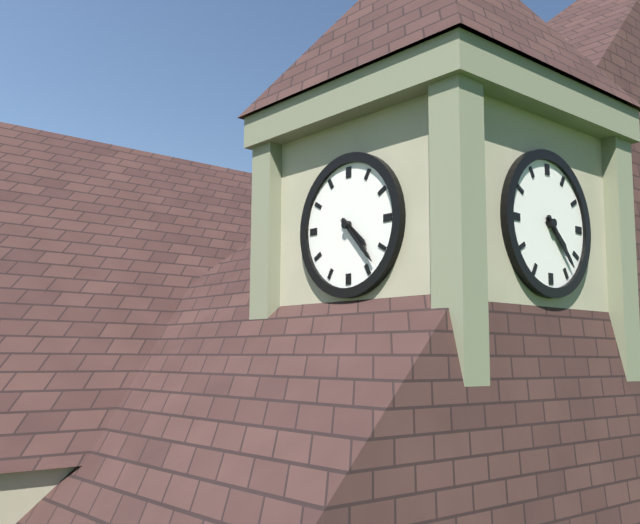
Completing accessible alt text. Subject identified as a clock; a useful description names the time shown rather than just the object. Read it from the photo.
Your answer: 4:23
